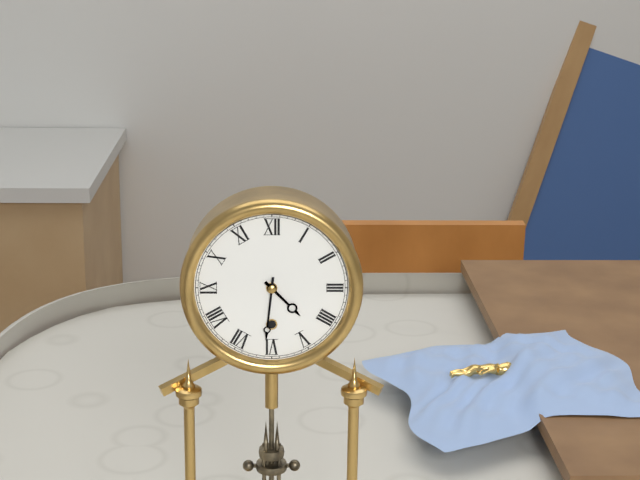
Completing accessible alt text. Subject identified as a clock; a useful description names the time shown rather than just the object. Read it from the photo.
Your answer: 4:31
